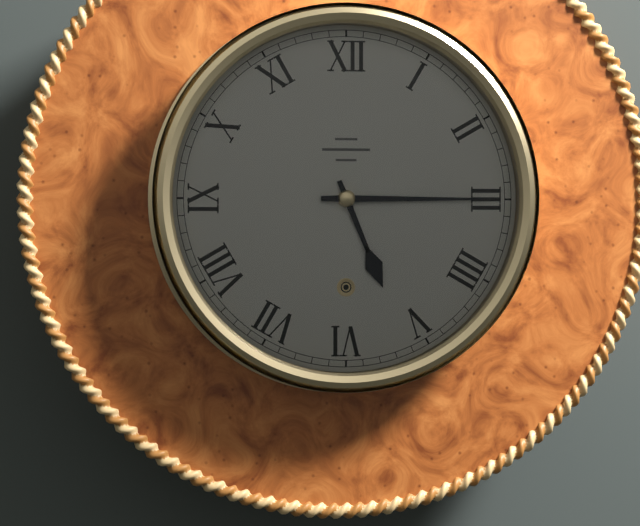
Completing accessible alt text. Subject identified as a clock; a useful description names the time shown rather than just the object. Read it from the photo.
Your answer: 5:15
